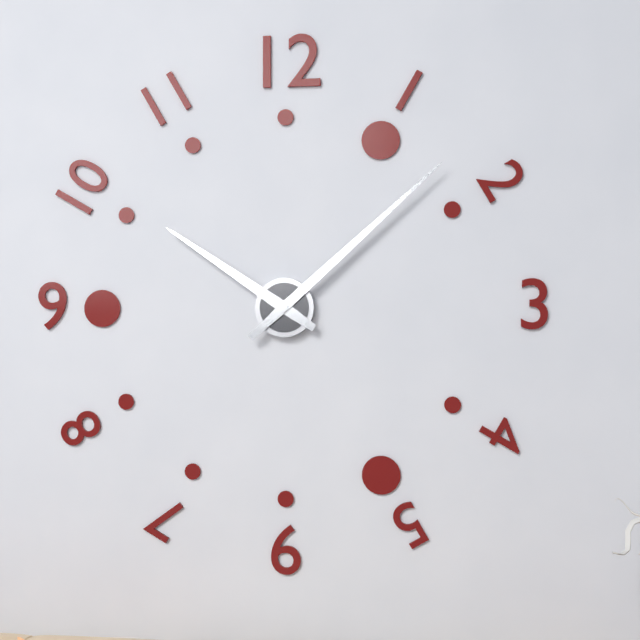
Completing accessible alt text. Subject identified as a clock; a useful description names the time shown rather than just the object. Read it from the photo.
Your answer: 10:08
